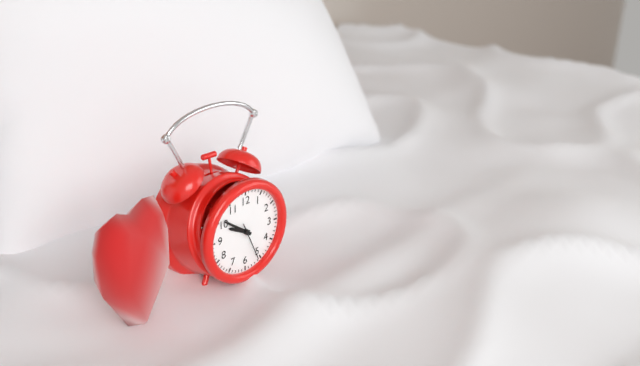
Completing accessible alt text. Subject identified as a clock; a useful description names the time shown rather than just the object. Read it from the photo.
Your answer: 9:51
